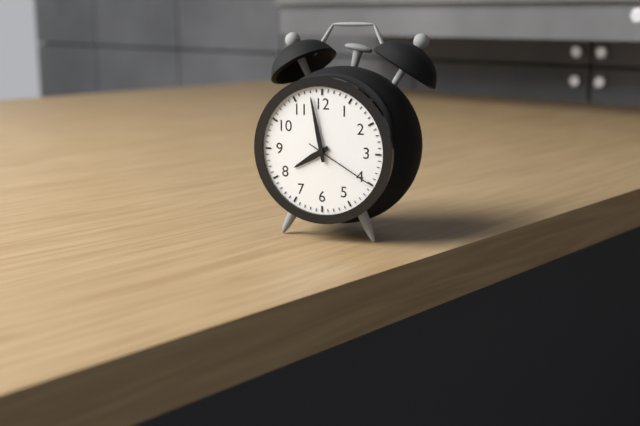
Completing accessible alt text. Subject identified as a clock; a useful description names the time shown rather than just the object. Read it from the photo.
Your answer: 7:58:20
